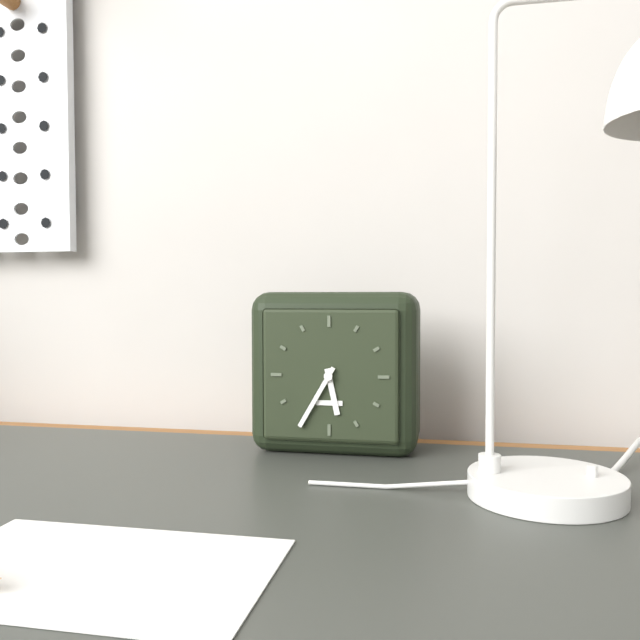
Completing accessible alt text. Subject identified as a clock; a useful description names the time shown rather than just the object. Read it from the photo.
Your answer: 5:35
